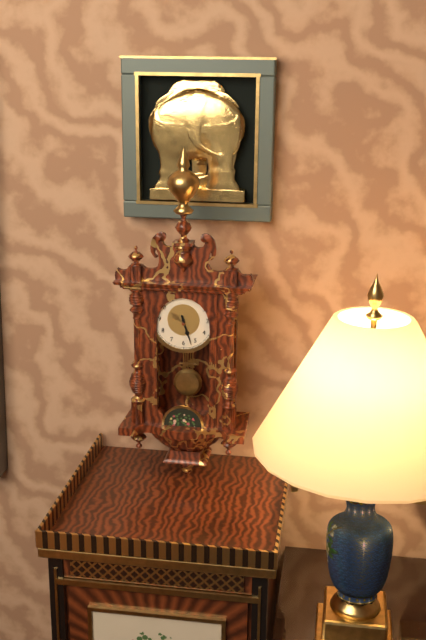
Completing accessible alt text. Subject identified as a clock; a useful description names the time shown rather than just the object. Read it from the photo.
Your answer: 5:27
